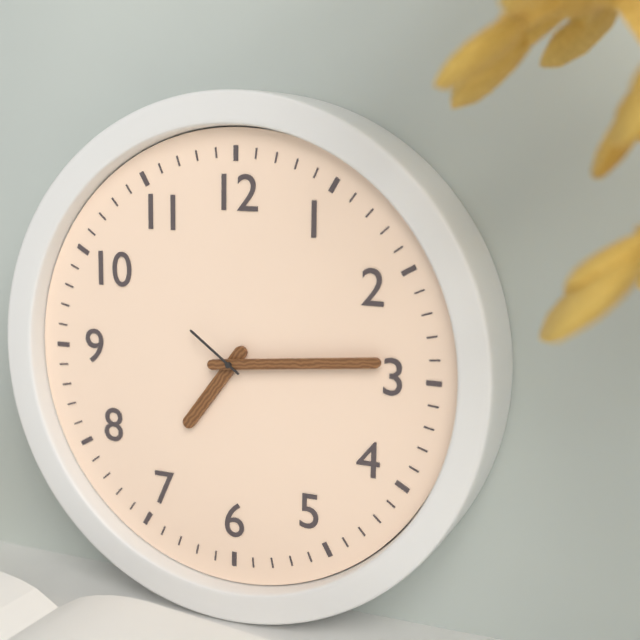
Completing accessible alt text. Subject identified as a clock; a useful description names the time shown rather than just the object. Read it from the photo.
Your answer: 7:14:51
